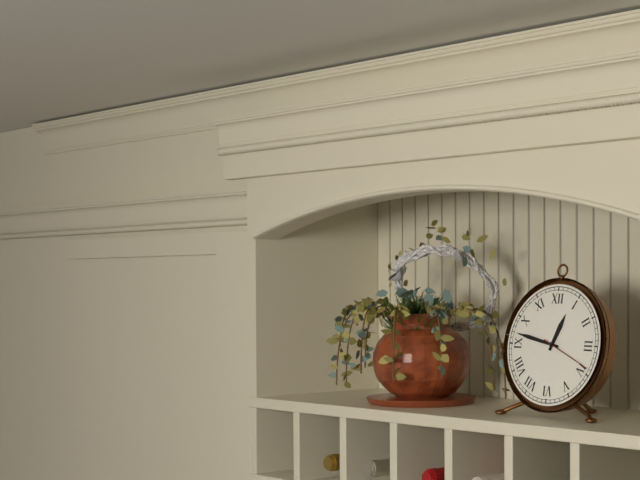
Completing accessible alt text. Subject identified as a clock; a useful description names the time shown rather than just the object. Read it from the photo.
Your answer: 12:47:19
